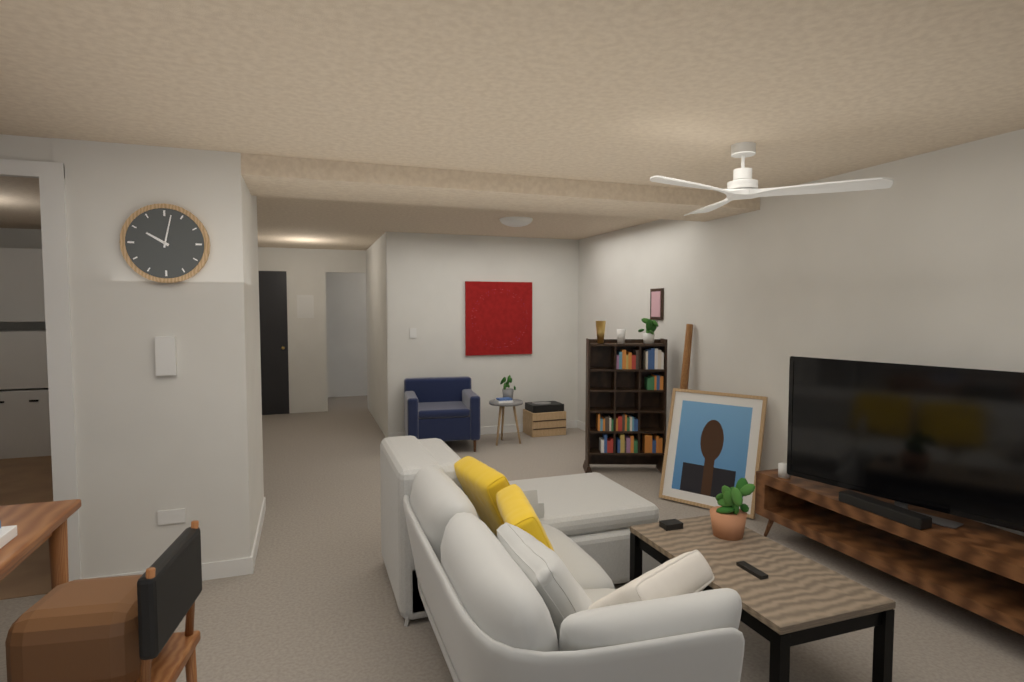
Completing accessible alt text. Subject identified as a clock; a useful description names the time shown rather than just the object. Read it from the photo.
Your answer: 10:02
